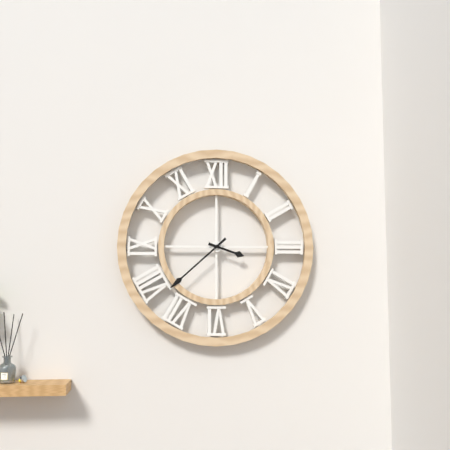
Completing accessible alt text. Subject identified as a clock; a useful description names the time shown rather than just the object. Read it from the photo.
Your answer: 3:38
